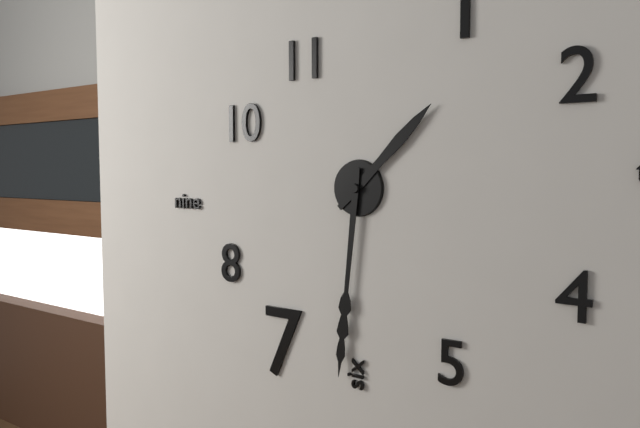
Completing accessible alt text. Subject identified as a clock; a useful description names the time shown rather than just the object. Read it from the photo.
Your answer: 1:31
